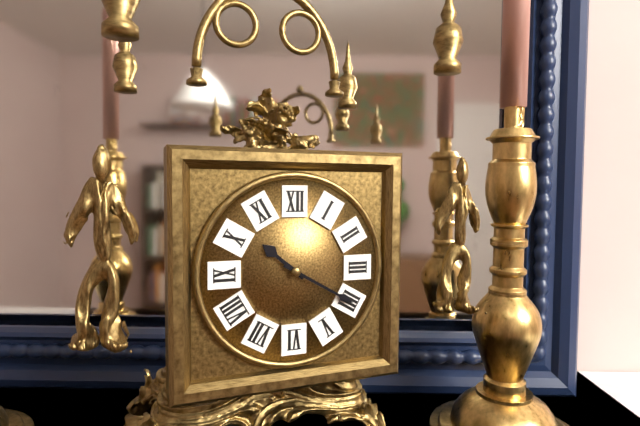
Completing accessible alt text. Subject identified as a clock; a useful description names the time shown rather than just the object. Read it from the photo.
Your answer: 10:20
